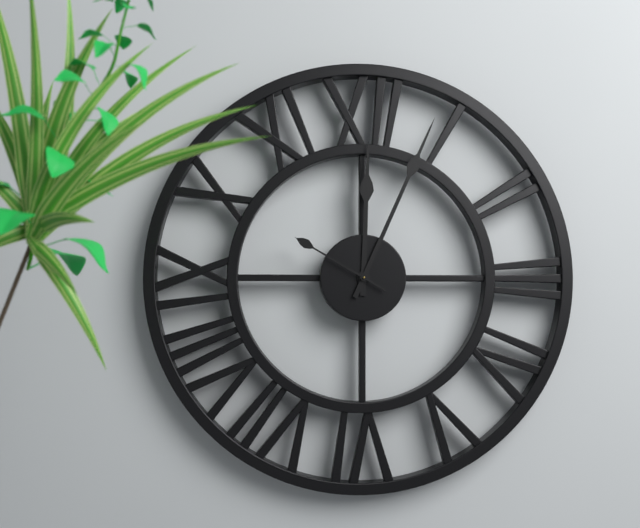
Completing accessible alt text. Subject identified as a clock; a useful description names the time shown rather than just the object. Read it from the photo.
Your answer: 12:04:50
